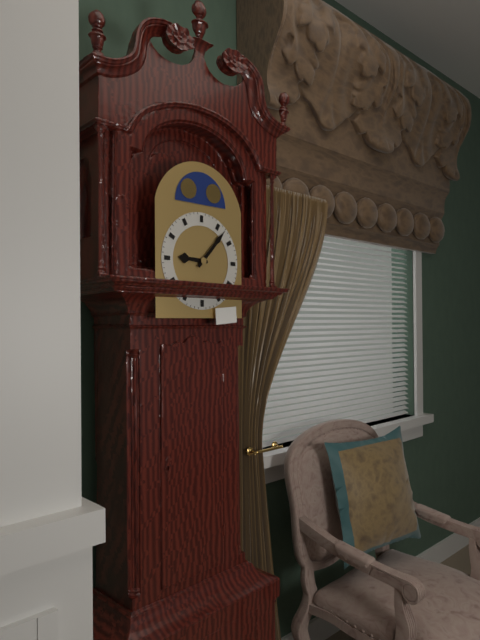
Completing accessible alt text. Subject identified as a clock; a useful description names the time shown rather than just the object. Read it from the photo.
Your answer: 9:07
